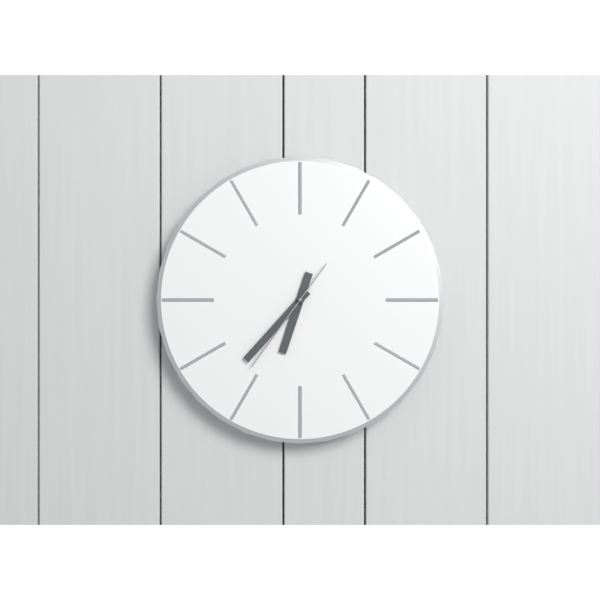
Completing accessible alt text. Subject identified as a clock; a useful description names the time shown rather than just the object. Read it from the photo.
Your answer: 6:37:36
